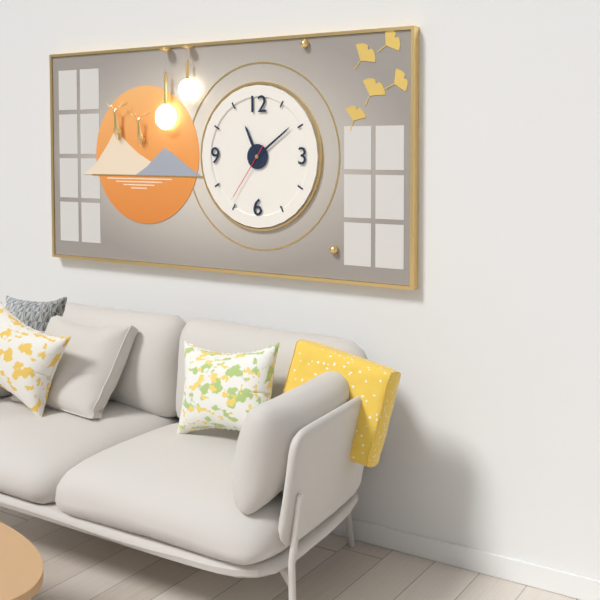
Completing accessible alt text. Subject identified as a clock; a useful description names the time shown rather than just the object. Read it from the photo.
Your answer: 11:09:36
